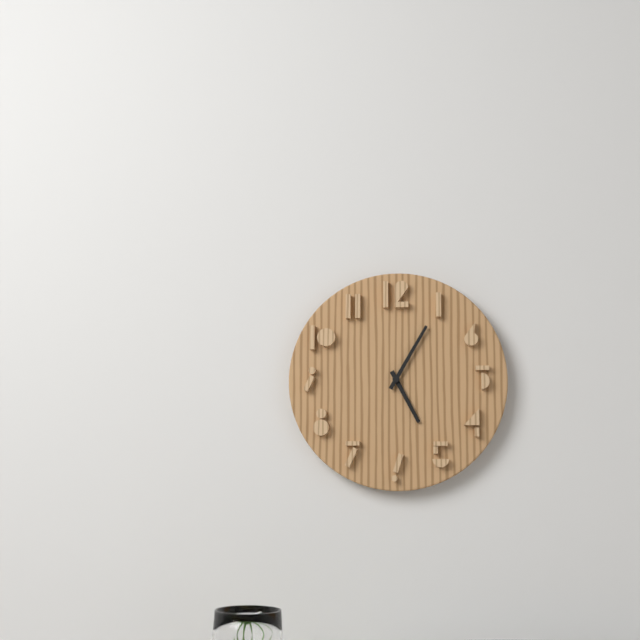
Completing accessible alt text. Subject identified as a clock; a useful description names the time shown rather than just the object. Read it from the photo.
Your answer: 5:05
